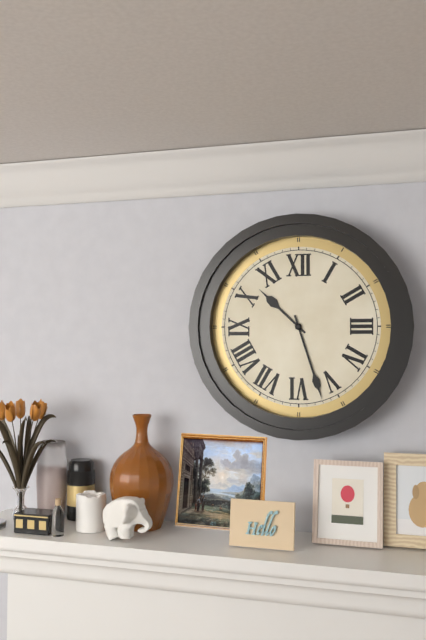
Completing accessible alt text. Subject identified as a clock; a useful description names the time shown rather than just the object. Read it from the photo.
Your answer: 10:27
